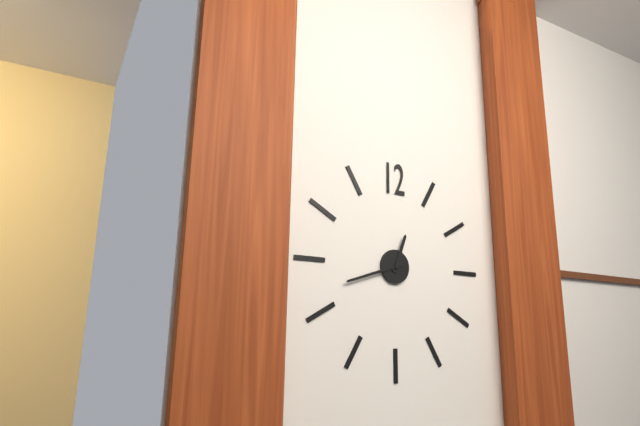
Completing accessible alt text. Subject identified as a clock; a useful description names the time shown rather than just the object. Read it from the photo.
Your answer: 12:42
